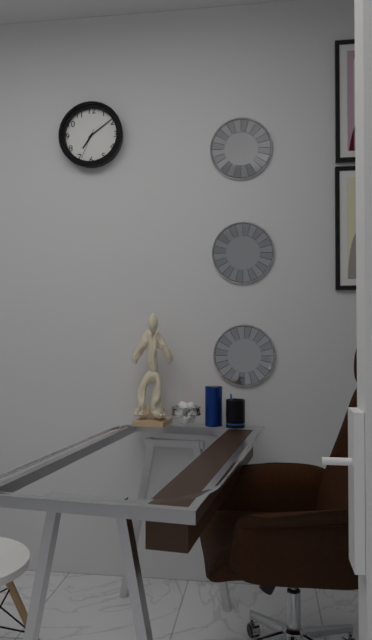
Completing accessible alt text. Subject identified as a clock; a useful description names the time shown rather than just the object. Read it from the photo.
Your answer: 7:09
